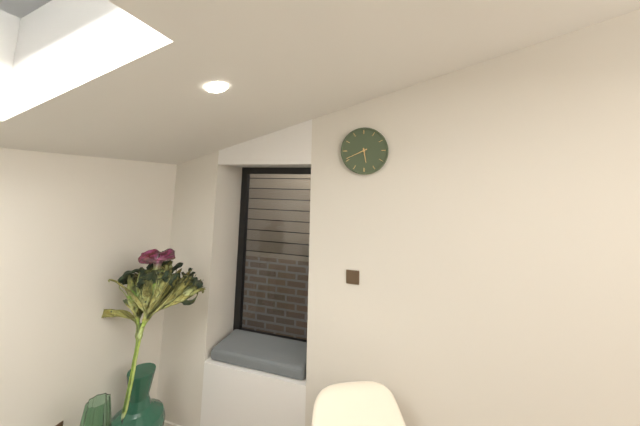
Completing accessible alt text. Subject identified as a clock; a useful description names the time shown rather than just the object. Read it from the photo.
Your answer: 5:41
